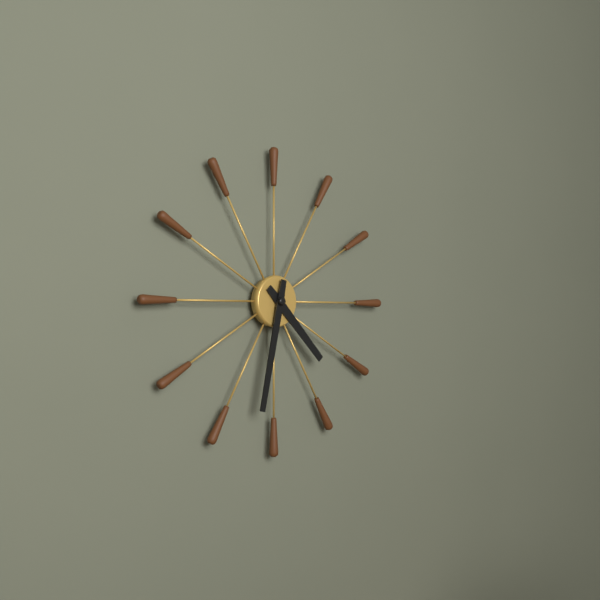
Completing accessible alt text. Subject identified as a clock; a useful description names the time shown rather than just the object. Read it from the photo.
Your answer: 4:32
